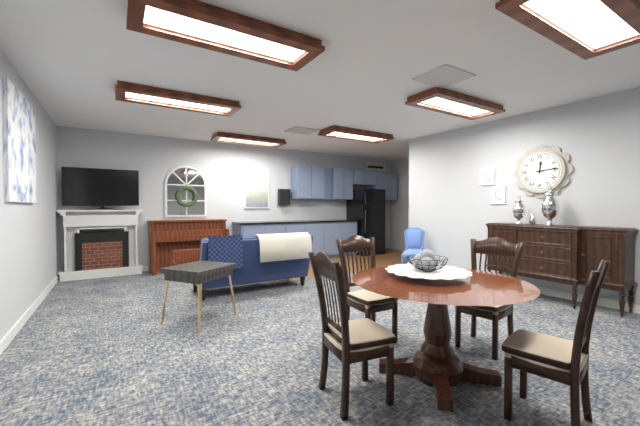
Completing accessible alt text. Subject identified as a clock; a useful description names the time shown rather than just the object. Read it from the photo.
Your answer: 12:14
